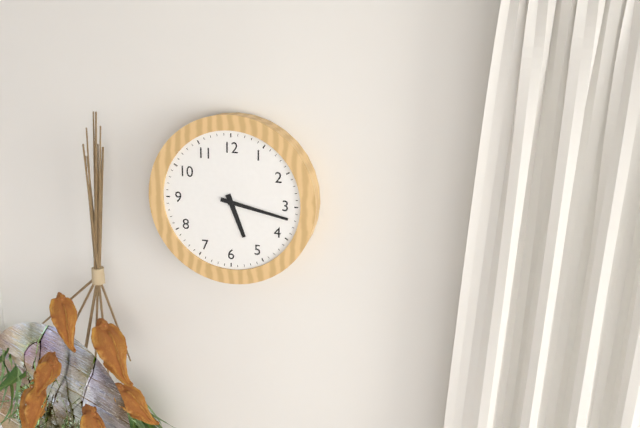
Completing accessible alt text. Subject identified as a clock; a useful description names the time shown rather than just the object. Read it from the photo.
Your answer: 5:17
